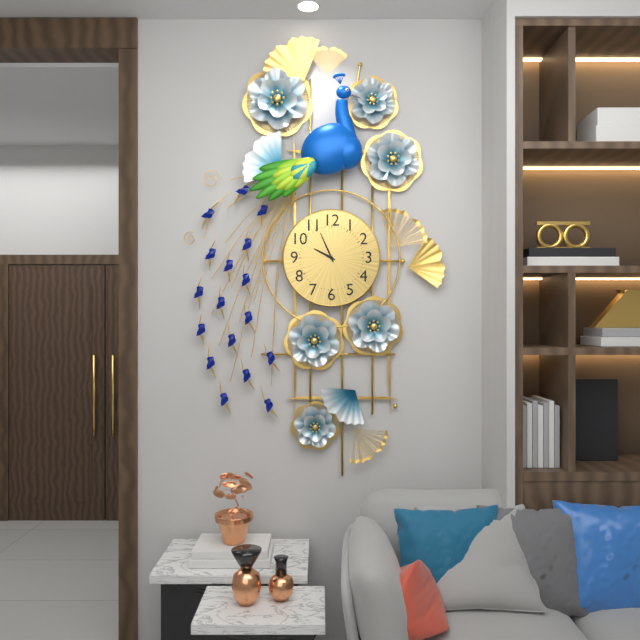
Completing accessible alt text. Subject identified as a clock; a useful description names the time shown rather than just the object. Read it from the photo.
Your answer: 9:56
